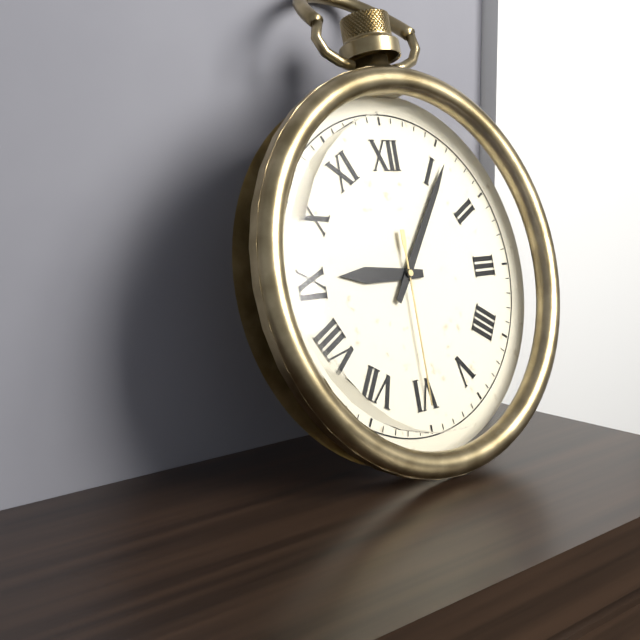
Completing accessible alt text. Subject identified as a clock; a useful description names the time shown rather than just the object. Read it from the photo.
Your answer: 9:06:30
